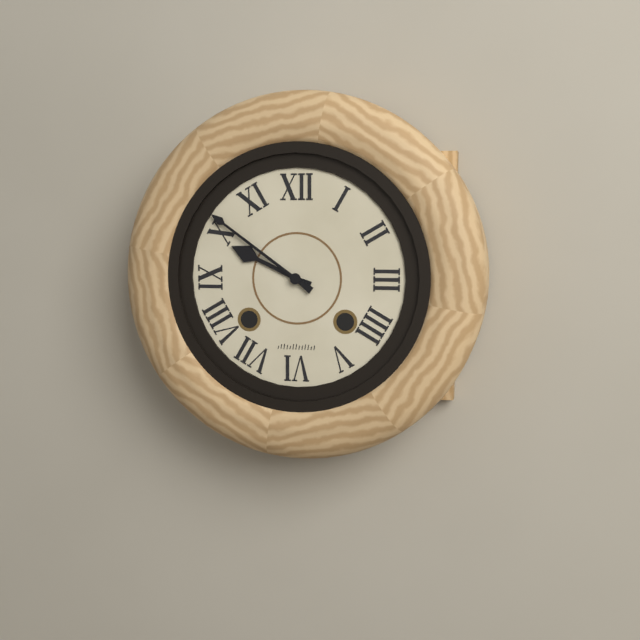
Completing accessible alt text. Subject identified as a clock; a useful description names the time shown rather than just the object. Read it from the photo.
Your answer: 9:51
